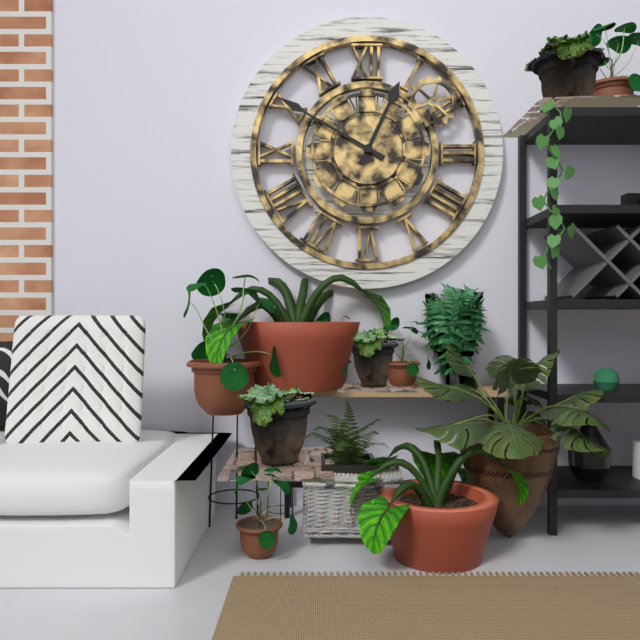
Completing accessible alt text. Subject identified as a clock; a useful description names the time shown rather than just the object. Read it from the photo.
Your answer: 12:50
